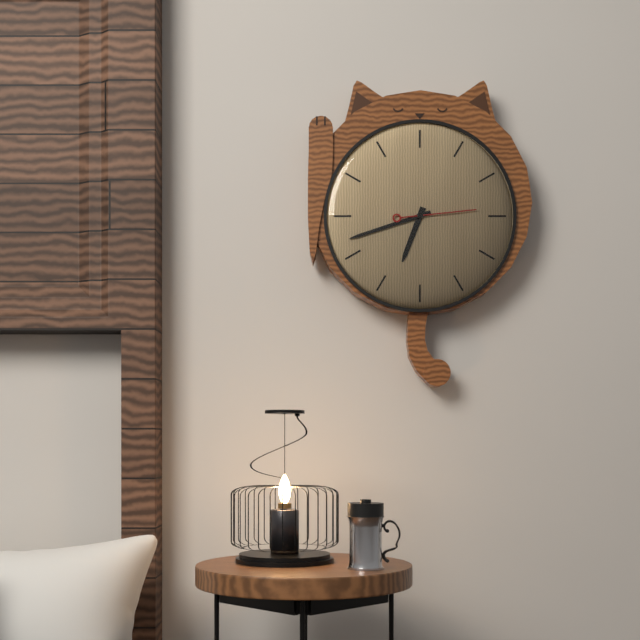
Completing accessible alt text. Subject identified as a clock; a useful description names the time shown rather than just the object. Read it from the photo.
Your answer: 6:42:14
